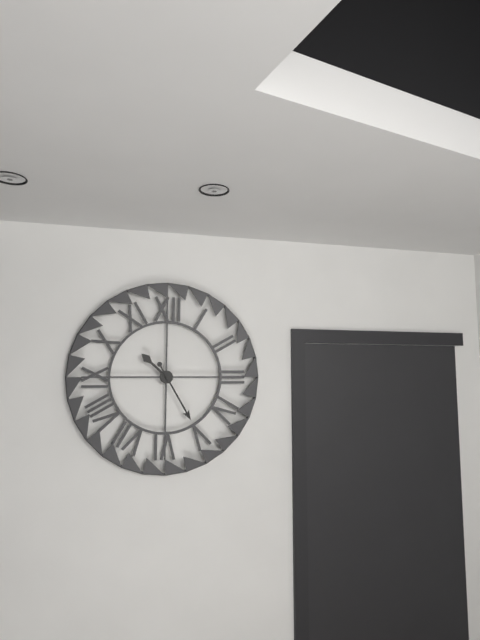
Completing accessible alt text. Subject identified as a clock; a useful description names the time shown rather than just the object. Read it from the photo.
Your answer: 10:25
